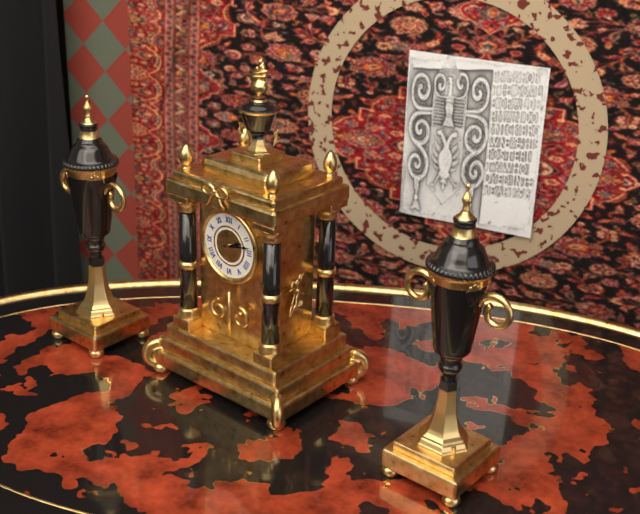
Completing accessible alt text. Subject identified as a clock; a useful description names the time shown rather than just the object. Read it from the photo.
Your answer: 2:13
